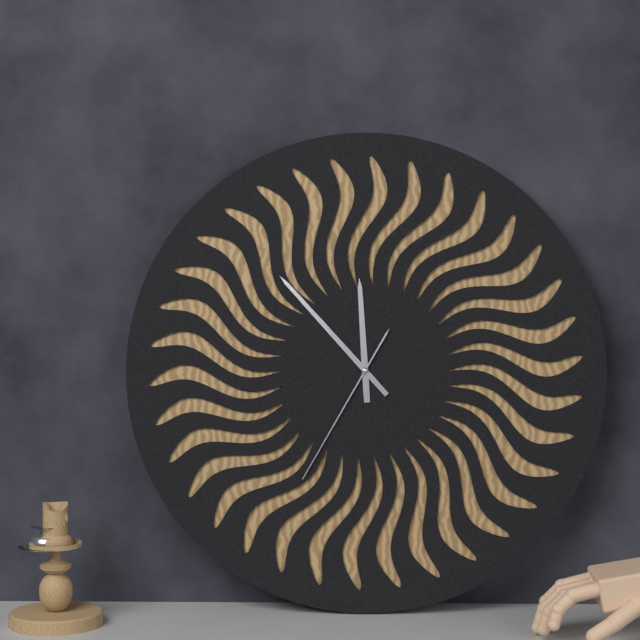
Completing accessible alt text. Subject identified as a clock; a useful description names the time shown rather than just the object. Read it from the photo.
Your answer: 11:53:35
